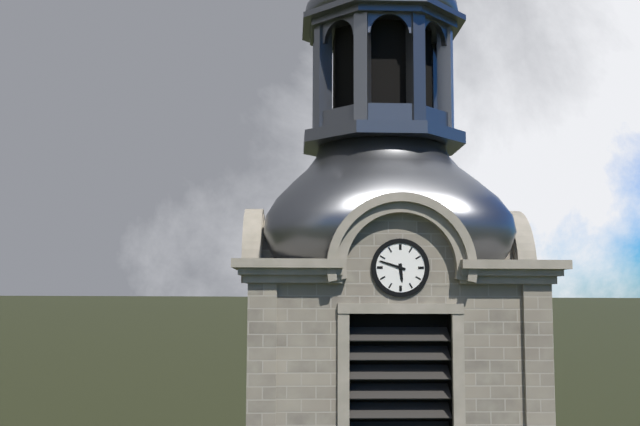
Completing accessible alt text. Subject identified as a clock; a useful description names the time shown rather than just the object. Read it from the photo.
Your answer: 5:48
